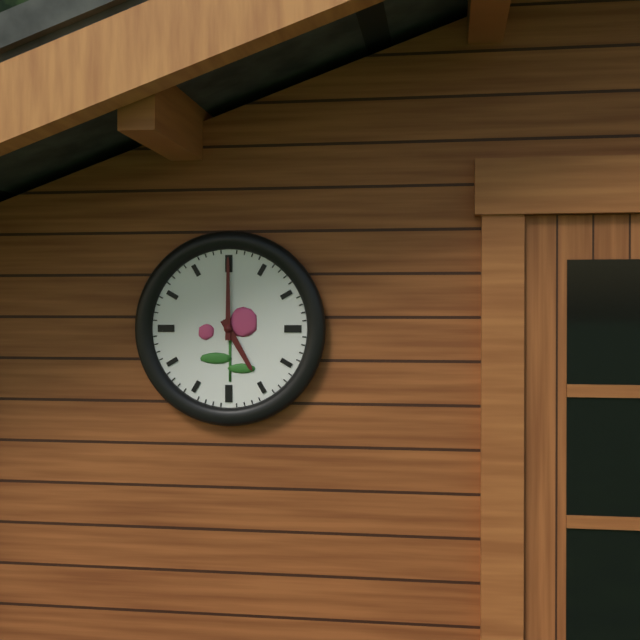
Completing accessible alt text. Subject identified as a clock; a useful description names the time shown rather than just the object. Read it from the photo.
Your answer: 5:00
